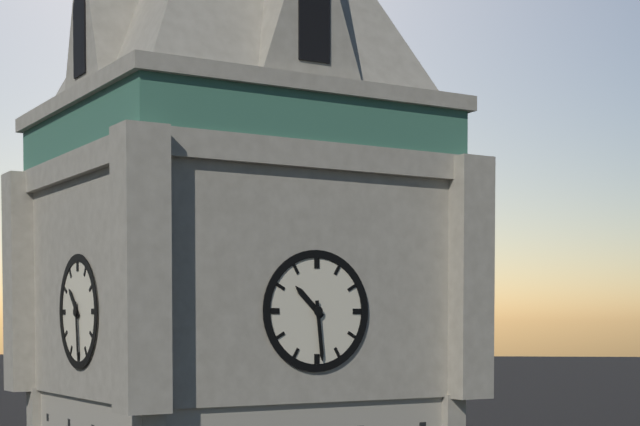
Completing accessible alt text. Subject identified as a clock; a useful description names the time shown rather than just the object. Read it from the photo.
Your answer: 10:29
